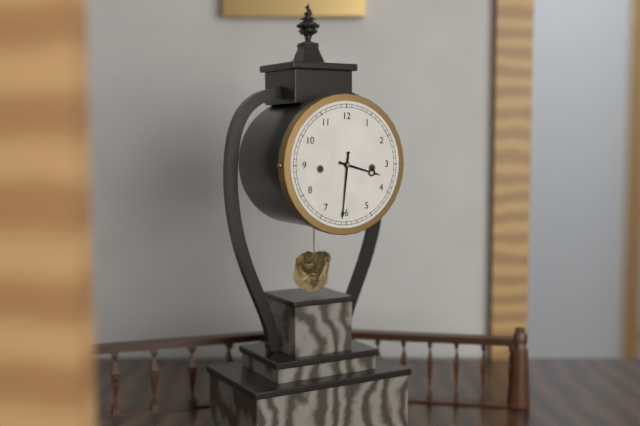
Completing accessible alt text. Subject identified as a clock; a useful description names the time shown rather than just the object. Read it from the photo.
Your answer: 3:31
